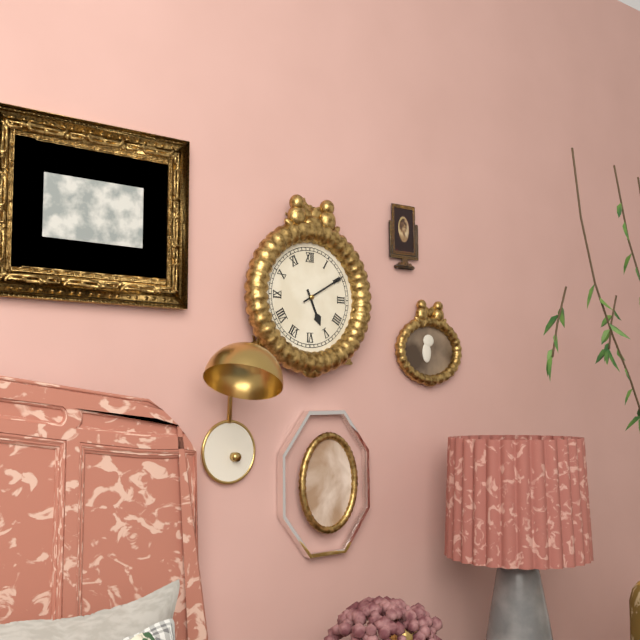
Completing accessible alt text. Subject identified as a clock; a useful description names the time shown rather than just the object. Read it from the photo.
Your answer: 5:10
